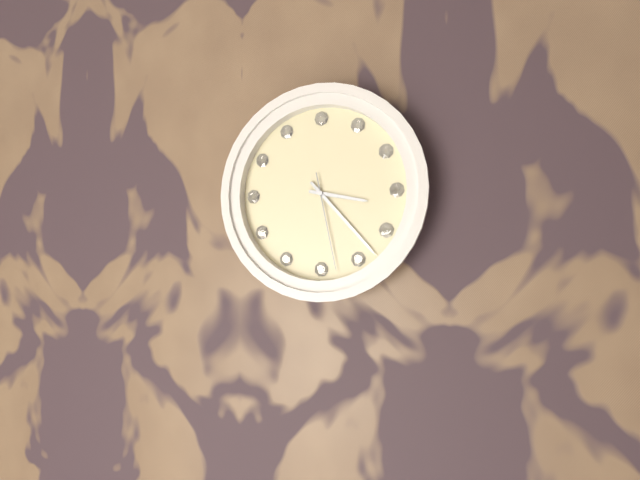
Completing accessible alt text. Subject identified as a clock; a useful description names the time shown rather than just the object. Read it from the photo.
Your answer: 3:23:28
